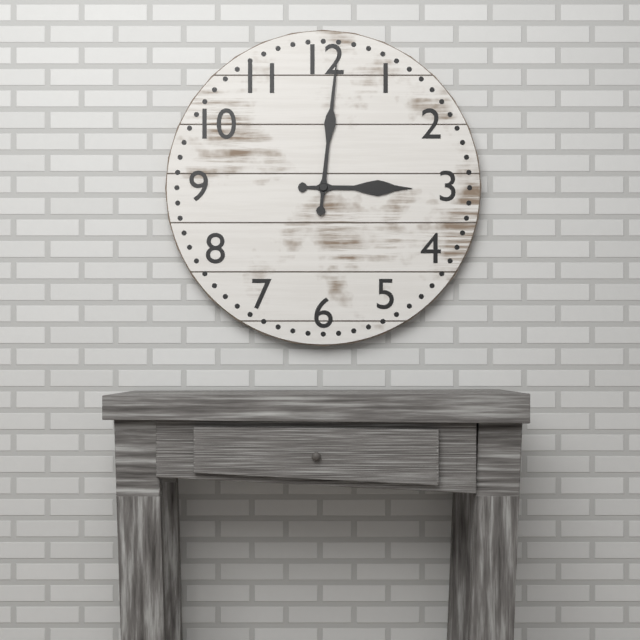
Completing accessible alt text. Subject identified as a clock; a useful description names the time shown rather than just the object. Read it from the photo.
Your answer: 3:01
